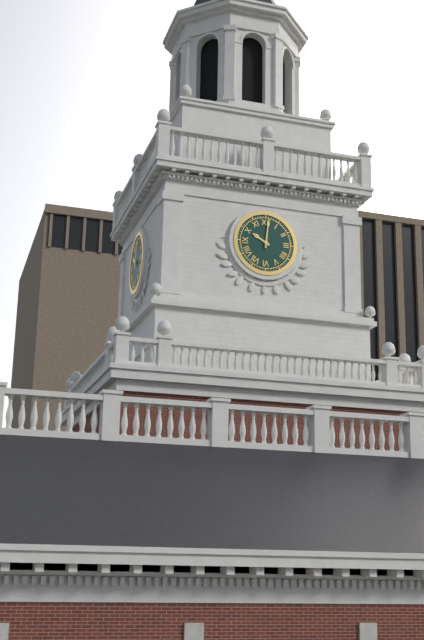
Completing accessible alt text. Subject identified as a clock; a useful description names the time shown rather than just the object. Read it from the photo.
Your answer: 10:01
